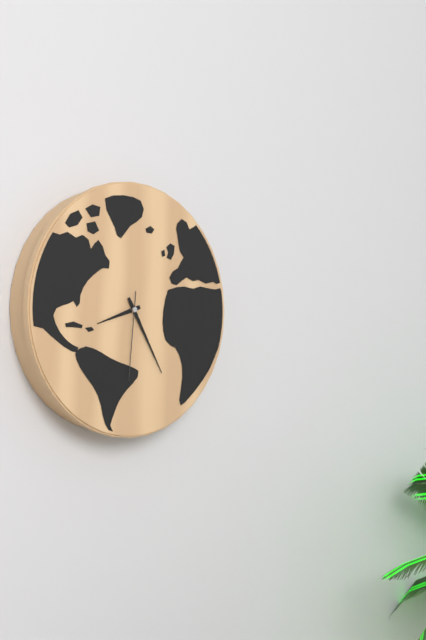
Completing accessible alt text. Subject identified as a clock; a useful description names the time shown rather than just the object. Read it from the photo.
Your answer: 8:25:31
